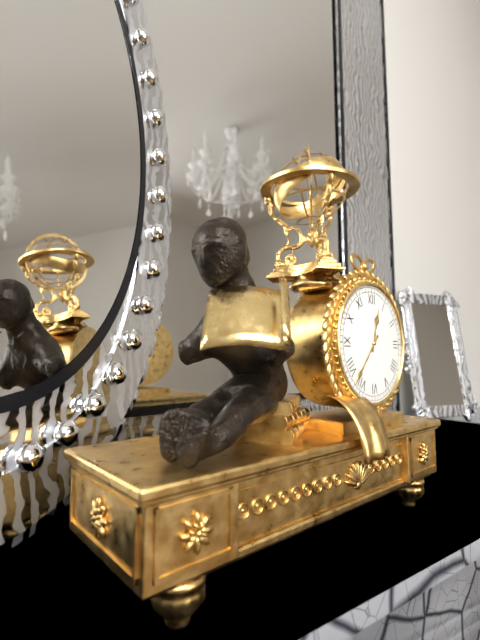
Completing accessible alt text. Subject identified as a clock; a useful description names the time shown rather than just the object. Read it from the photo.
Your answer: 12:37
